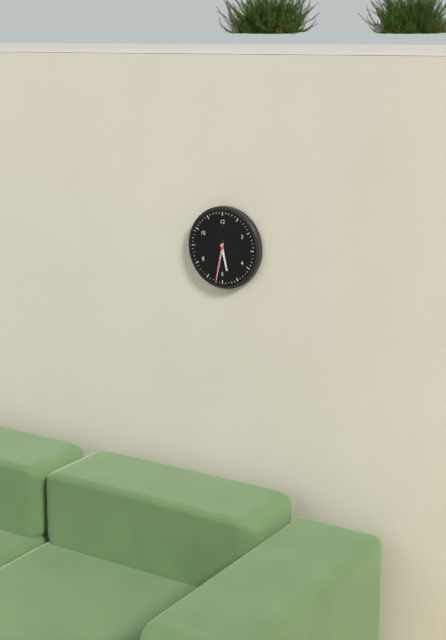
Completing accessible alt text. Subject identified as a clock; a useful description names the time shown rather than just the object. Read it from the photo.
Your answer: 5:32
